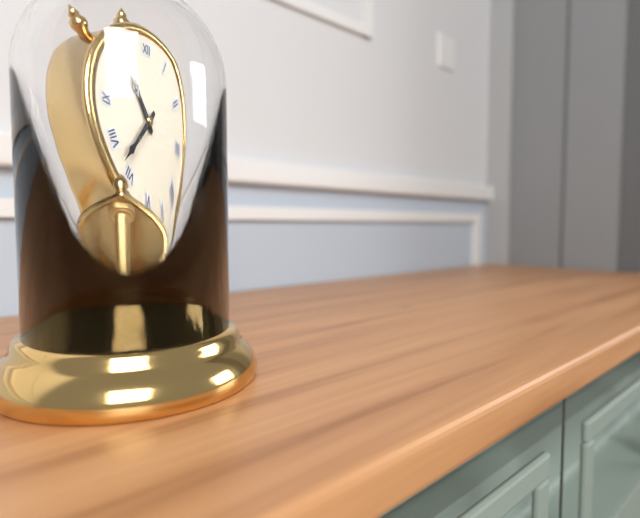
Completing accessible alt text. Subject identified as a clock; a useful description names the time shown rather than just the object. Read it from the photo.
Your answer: 10:37
